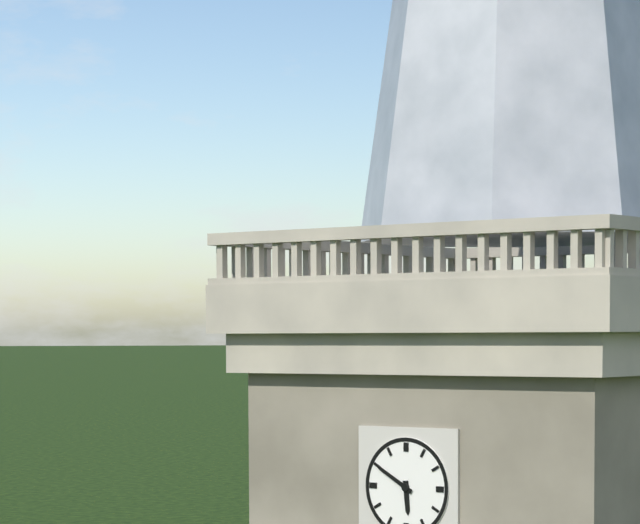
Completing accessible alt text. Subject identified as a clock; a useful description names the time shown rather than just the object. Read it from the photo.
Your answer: 5:50
